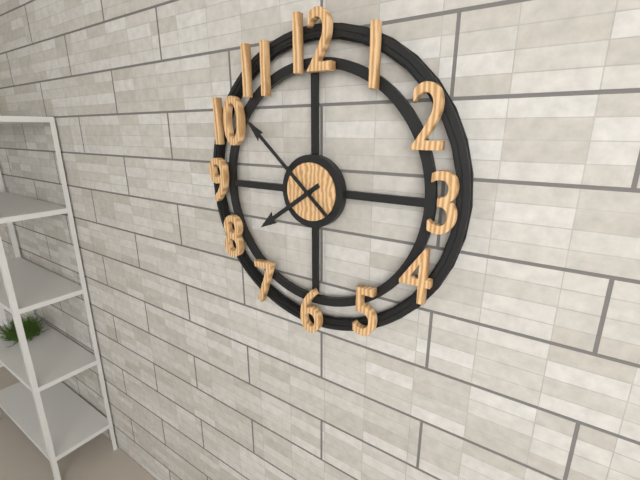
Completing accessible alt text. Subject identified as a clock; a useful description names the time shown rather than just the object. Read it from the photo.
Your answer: 7:52
